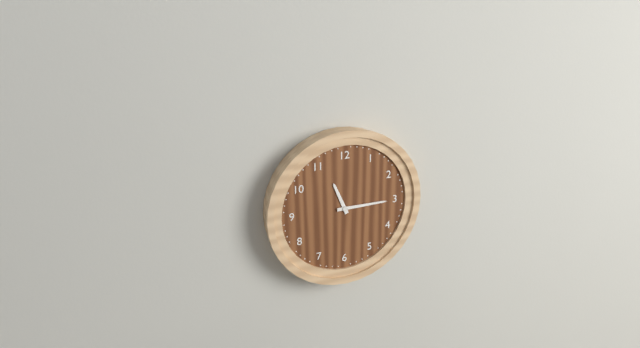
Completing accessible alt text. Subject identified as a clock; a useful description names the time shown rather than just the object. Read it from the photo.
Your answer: 11:15
